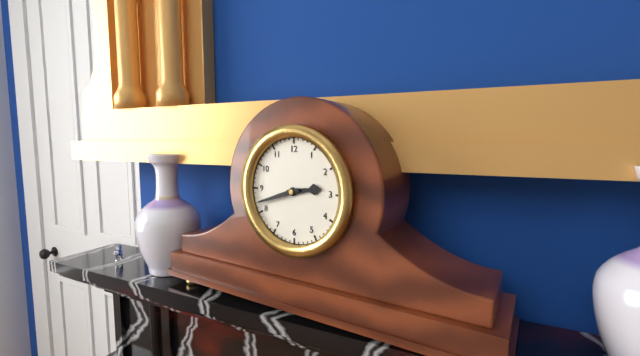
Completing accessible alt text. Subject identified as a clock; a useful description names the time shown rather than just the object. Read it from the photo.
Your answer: 2:42
